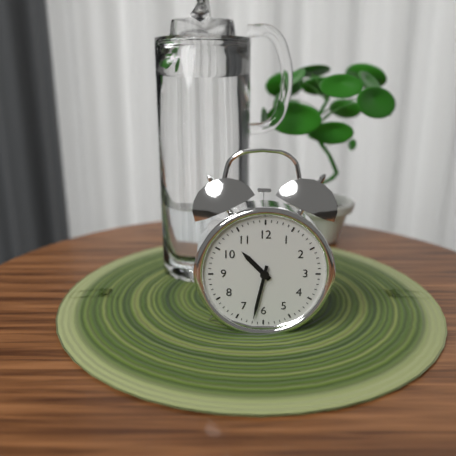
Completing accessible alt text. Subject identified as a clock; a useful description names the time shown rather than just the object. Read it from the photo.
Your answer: 10:32
